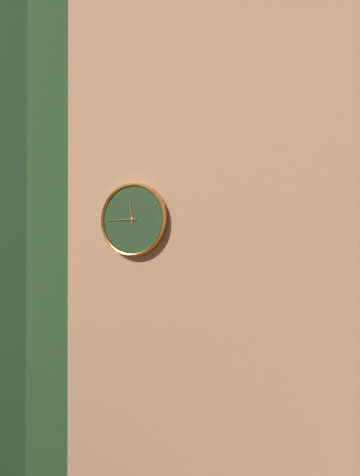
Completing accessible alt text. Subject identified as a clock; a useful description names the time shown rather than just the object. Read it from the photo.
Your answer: 11:45
